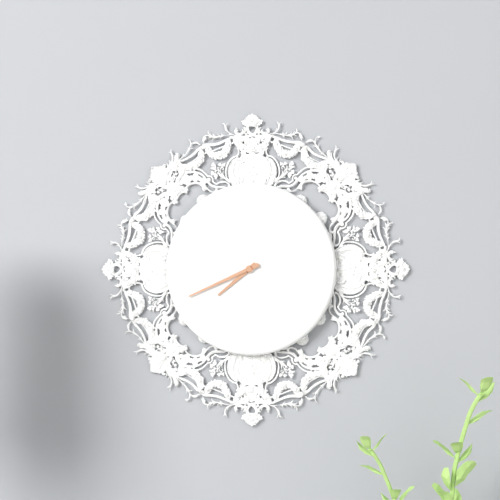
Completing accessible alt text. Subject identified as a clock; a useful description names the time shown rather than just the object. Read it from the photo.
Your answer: 7:41
